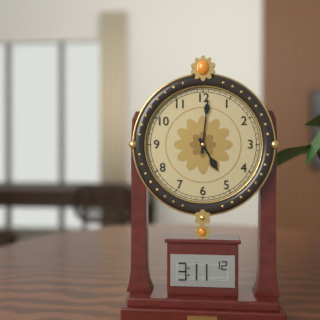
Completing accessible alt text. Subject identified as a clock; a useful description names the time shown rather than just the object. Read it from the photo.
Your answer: 5:01
